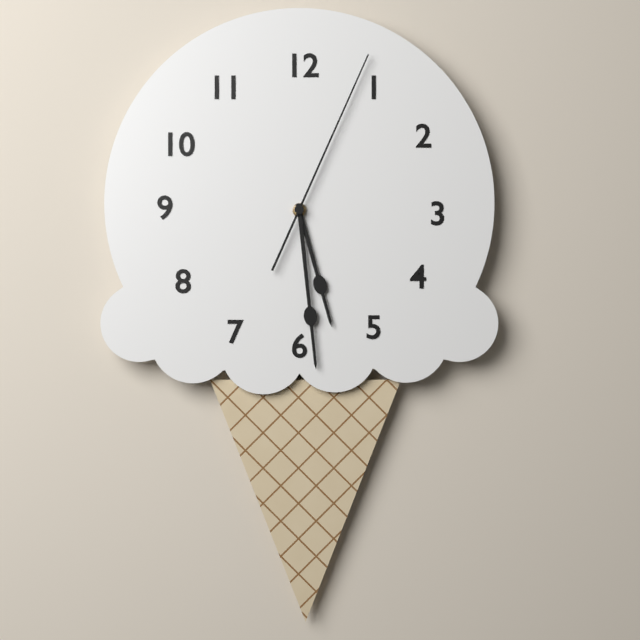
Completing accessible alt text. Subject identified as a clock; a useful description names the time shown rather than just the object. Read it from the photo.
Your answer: 5:29:04
